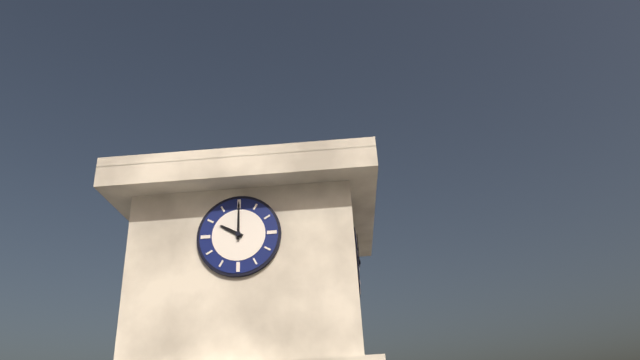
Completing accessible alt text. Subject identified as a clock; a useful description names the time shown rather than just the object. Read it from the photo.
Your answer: 10:00
